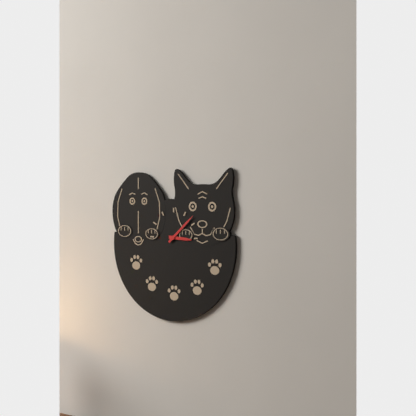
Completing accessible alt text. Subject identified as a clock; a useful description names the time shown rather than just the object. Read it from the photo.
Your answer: 3:08
